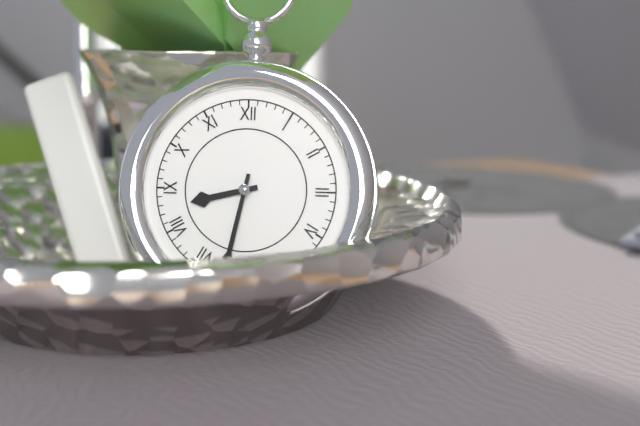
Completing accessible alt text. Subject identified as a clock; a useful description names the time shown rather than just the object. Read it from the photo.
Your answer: 8:32
